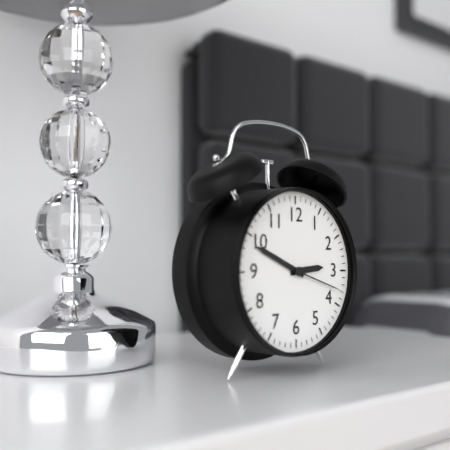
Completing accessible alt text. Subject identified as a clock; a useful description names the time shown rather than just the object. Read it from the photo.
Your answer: 2:49:18
